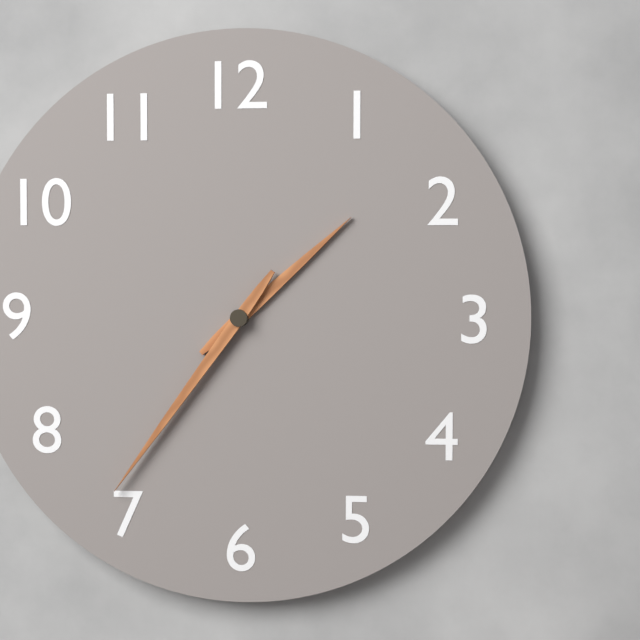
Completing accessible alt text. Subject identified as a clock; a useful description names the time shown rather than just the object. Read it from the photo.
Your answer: 1:36
